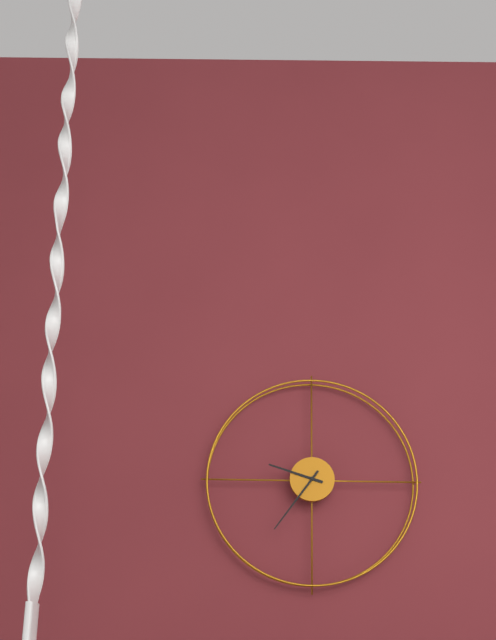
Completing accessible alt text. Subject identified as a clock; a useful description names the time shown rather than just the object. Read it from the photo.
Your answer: 9:36
